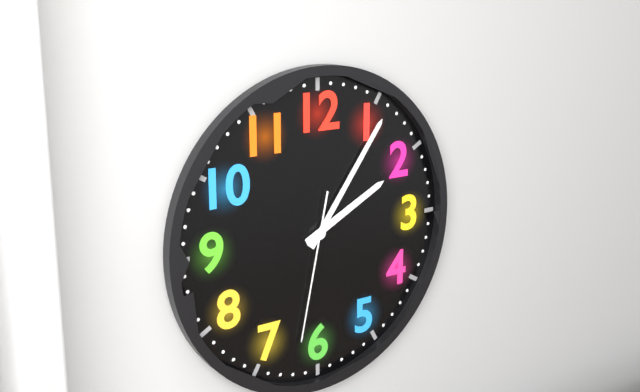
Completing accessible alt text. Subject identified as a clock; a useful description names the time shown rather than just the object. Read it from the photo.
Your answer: 2:06:32
